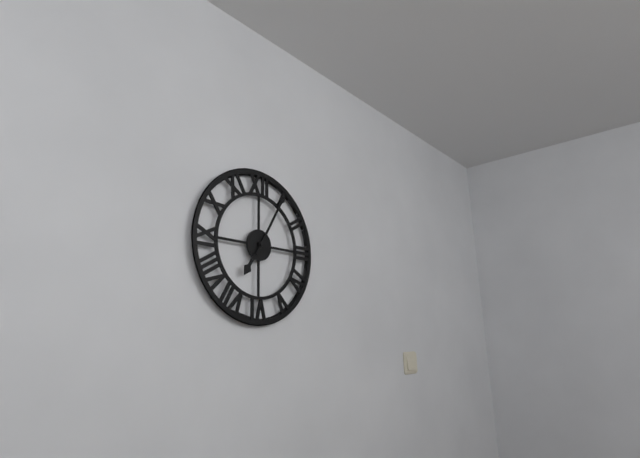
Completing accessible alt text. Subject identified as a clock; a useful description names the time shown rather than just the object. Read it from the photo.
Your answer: 7:05
